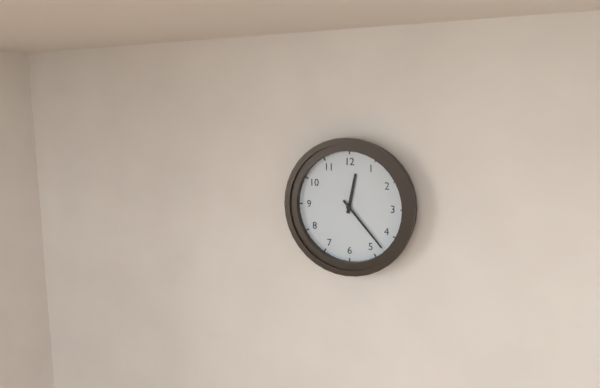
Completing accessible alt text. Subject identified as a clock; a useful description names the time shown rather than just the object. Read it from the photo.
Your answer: 12:23
